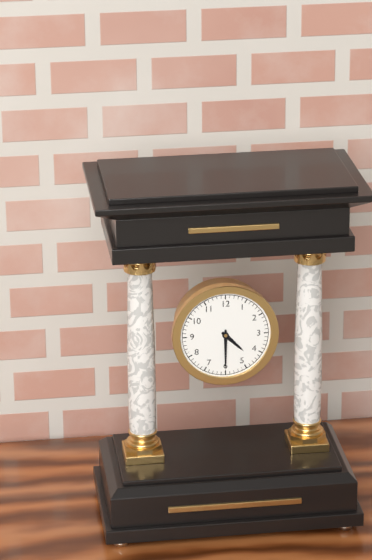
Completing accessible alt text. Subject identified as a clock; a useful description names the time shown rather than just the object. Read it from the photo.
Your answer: 4:30
